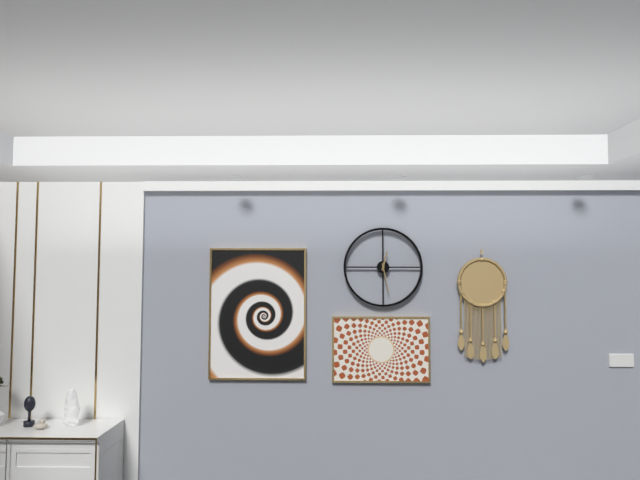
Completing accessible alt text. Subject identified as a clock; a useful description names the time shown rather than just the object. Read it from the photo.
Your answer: 12:28
